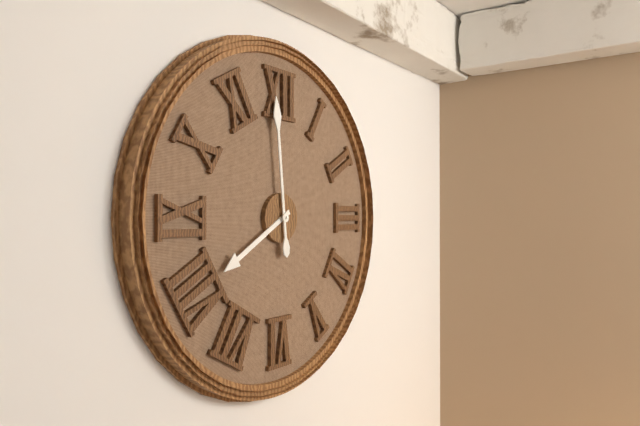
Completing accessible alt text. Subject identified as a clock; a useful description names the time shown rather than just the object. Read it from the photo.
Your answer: 7:59
